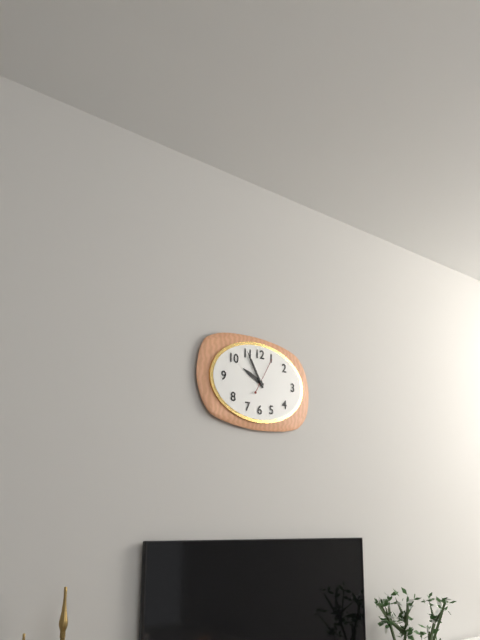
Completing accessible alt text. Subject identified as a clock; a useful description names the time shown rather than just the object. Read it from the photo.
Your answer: 9:55
